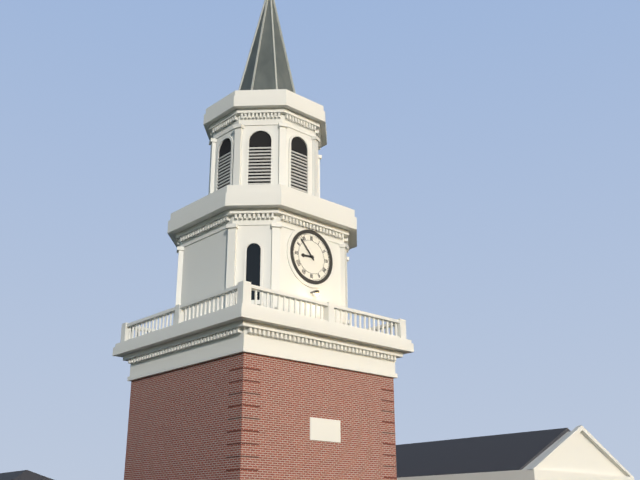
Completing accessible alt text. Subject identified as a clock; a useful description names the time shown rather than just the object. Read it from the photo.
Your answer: 8:53
